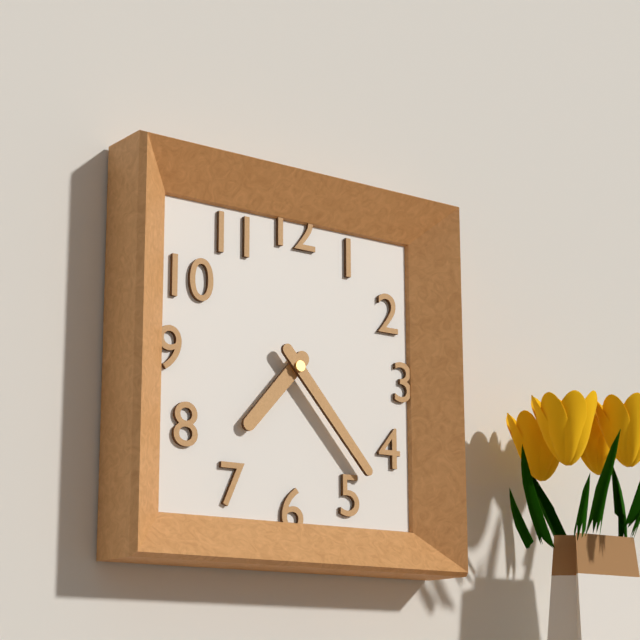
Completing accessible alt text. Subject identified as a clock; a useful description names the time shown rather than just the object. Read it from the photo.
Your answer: 7:23
